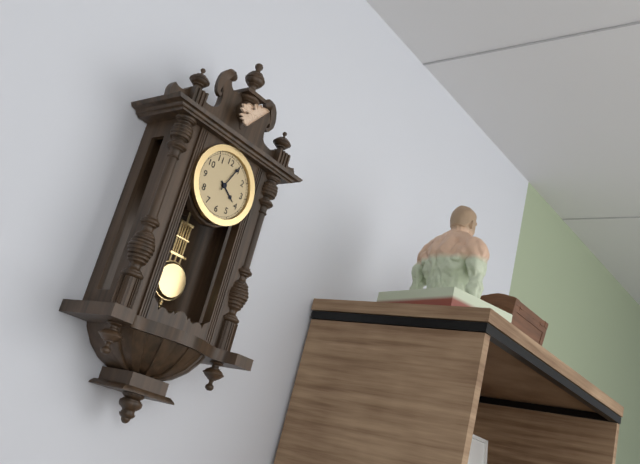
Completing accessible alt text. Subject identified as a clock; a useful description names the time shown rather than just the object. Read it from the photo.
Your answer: 4:04
